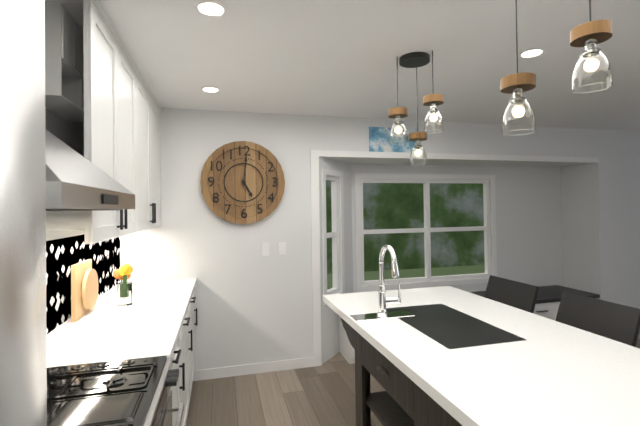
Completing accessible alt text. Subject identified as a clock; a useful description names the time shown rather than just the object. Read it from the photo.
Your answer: 5:01
